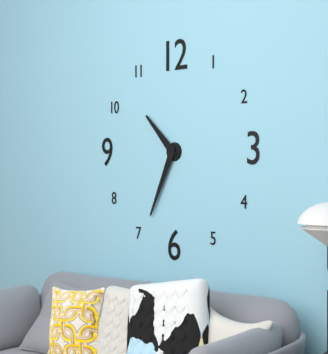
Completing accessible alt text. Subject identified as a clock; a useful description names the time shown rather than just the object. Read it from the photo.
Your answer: 10:34
